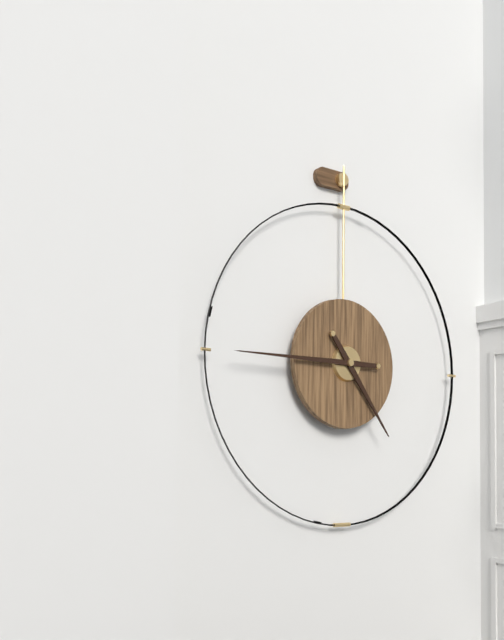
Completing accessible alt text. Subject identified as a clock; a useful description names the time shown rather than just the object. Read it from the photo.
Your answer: 4:45
